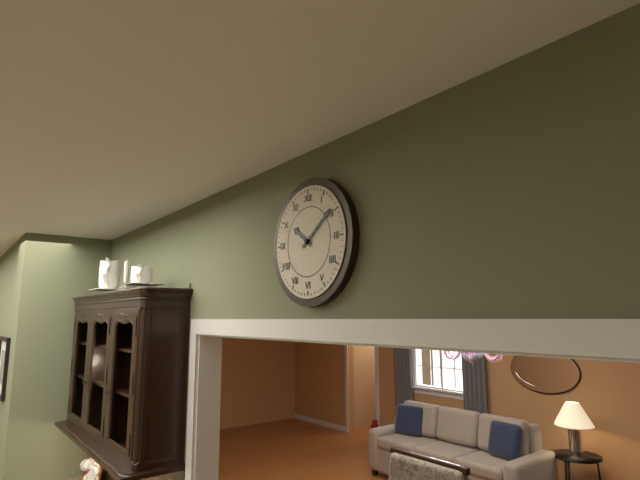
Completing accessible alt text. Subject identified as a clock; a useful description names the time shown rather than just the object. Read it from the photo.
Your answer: 10:09
